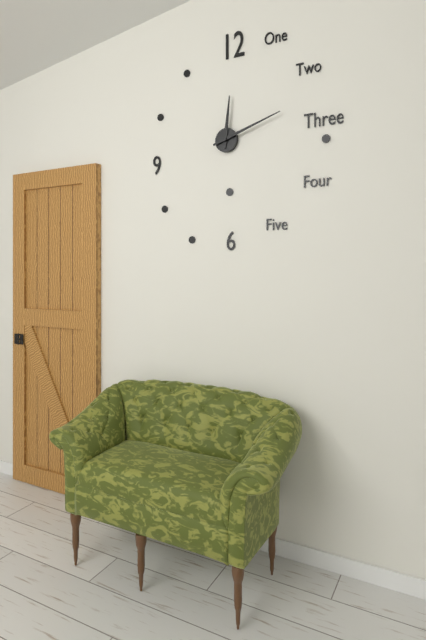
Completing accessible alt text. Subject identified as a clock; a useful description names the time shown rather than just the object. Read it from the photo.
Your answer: 12:12
